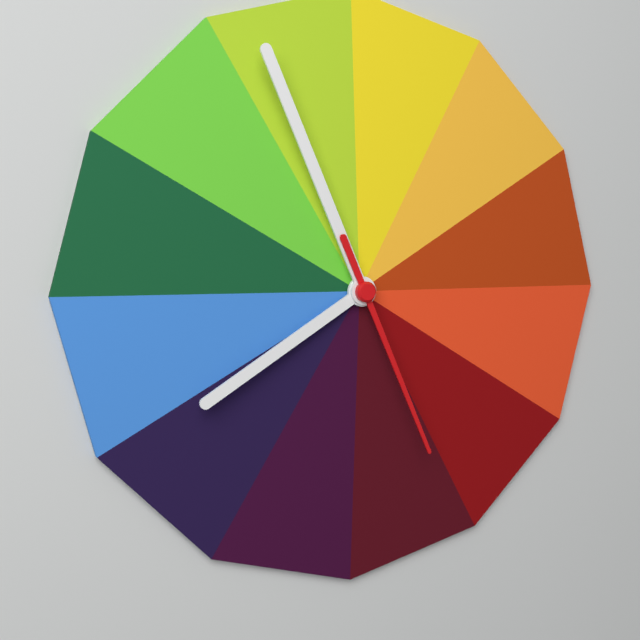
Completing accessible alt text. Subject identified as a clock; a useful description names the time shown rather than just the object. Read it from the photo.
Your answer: 7:56:26
